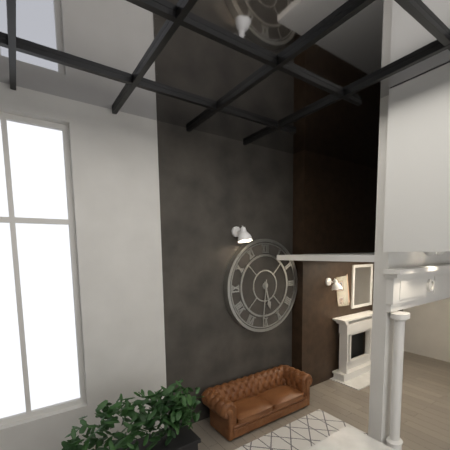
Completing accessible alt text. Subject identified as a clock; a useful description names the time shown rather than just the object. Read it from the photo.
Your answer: 5:31
